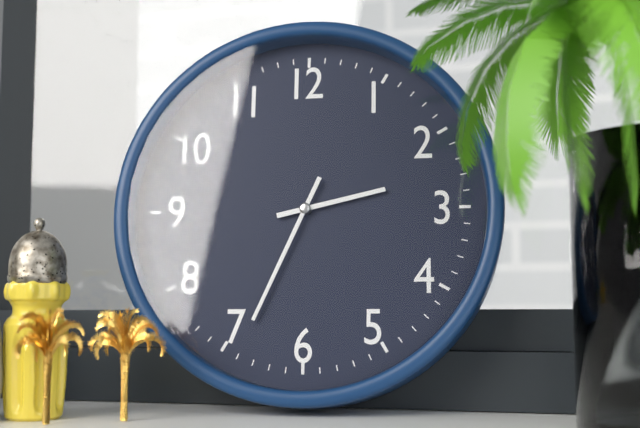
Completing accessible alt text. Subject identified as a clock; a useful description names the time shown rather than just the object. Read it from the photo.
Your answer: 2:34
